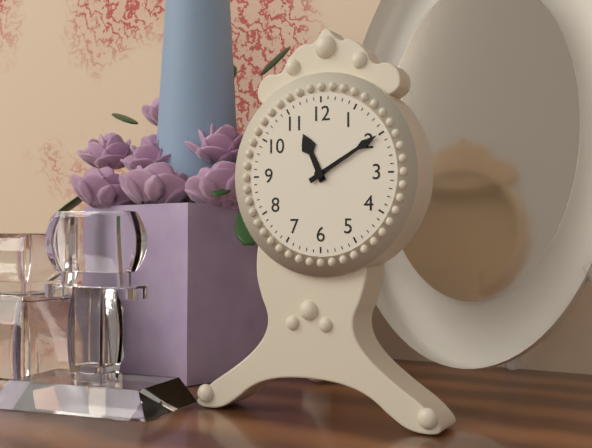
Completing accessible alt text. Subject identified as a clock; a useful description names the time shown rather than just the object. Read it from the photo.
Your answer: 11:10
